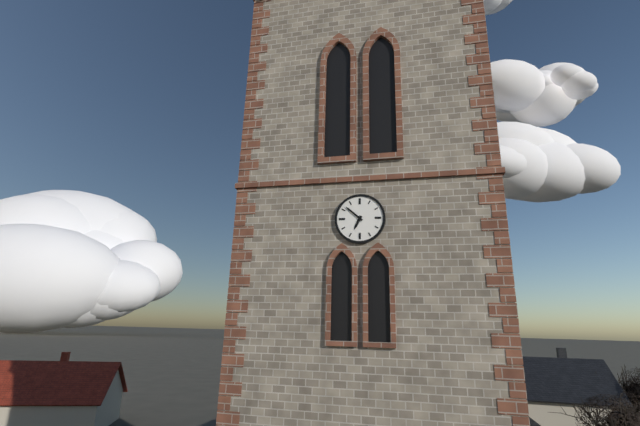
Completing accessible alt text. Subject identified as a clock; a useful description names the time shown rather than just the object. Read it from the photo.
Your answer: 6:52
